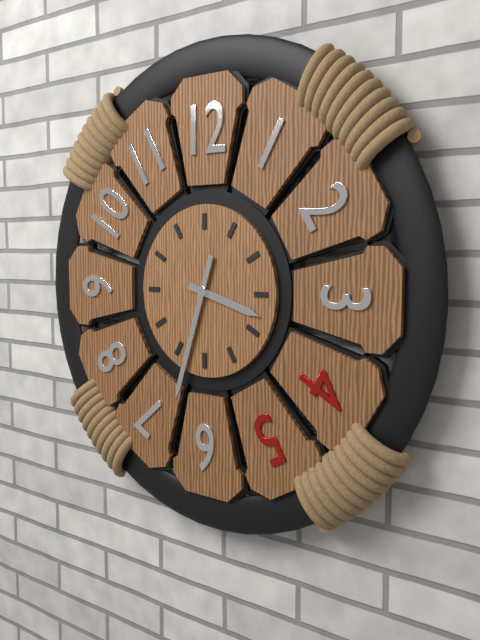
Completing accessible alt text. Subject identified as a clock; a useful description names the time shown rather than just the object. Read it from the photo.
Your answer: 3:33
